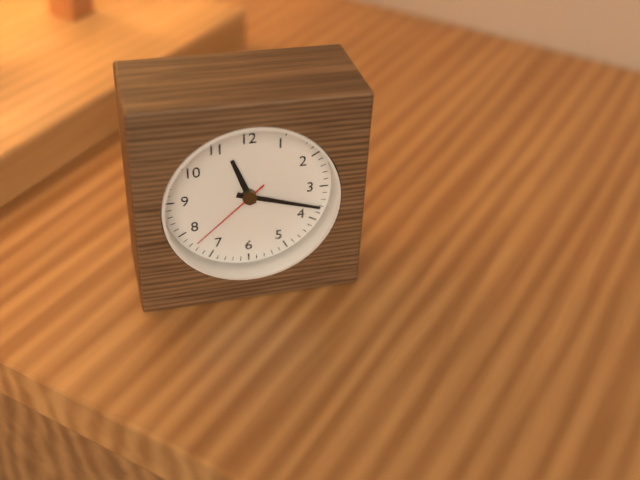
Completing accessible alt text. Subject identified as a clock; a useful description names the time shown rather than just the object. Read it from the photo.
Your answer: 11:18:38
